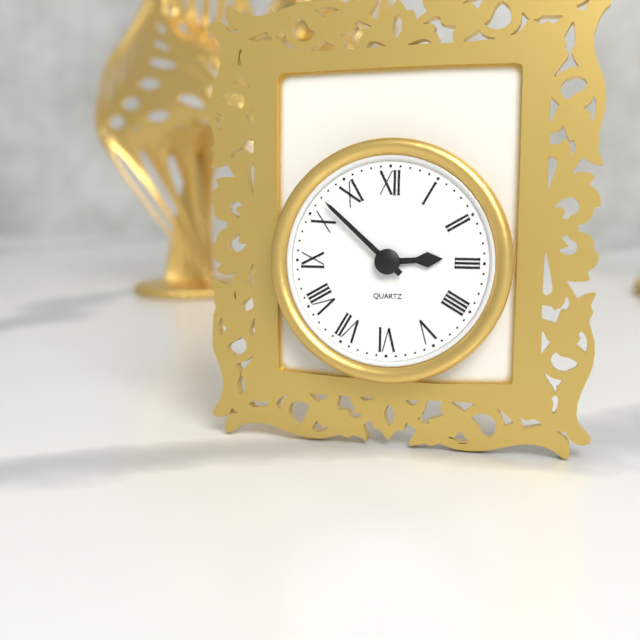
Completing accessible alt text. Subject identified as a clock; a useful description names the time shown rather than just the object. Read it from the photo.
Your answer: 2:52
